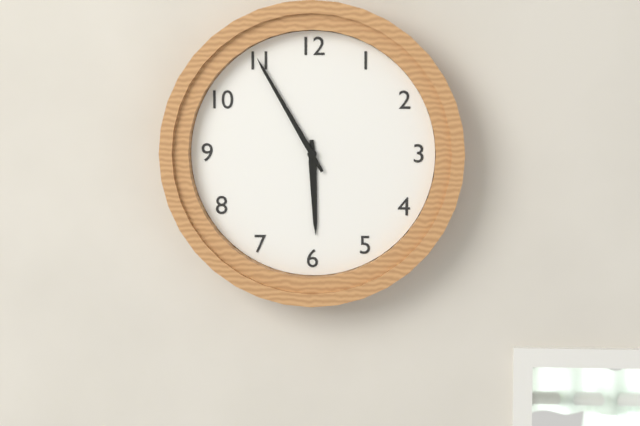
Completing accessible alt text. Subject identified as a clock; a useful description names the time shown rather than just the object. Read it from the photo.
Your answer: 5:55
